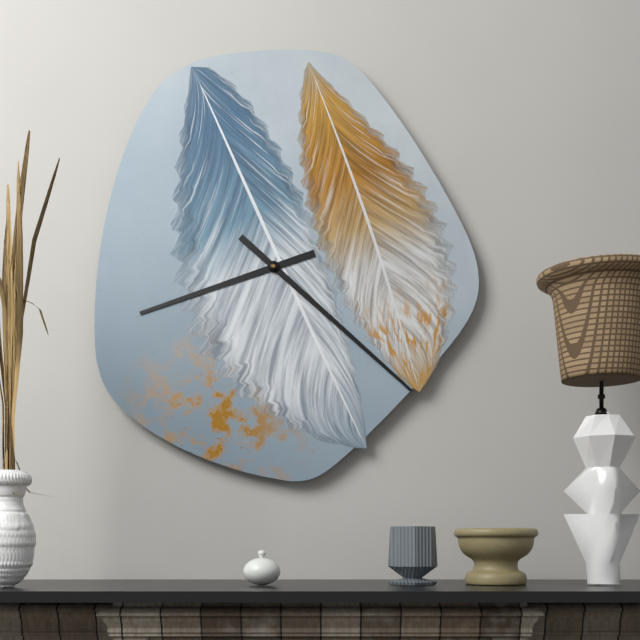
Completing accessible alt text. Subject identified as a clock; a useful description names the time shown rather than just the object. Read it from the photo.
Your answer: 8:22
